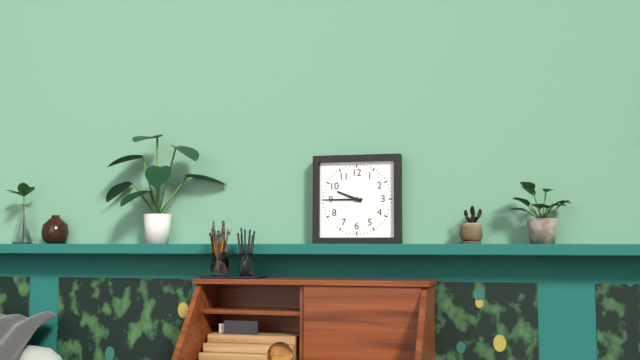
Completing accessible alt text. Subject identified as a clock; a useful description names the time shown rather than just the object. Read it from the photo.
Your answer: 9:45
